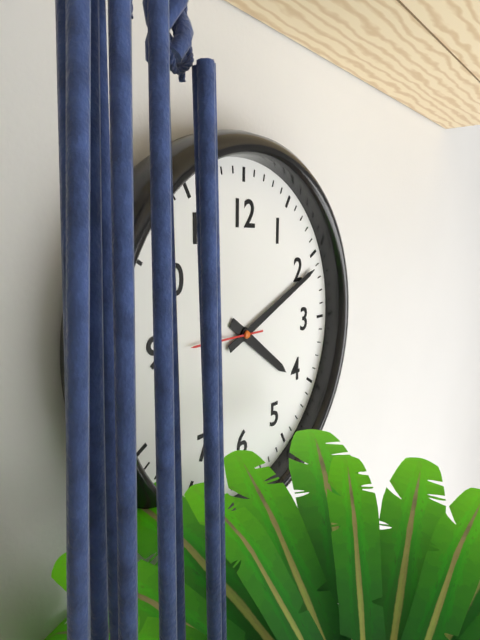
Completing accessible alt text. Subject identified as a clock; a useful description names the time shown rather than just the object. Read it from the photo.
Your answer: 4:11
